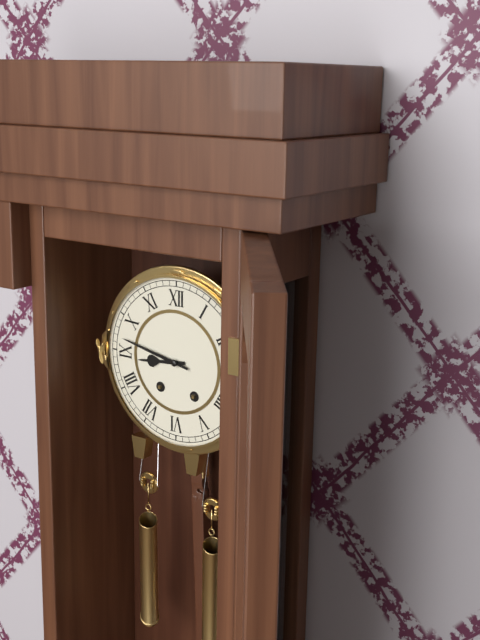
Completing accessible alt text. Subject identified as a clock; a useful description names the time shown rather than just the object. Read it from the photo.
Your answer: 8:47
